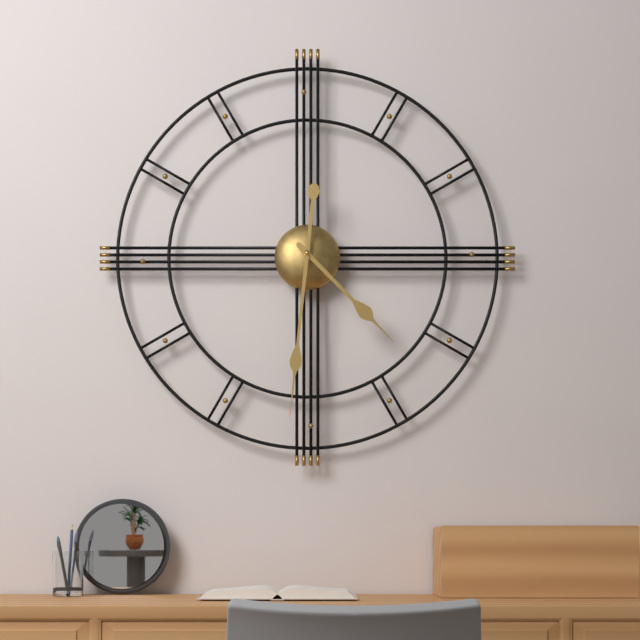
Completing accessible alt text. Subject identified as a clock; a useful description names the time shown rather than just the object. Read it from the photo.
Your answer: 4:31
